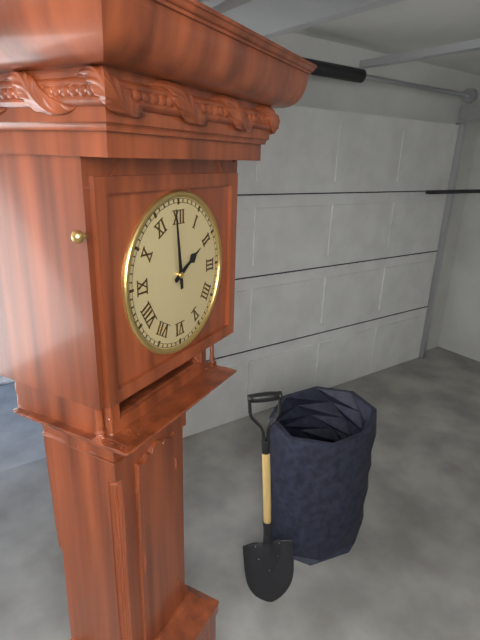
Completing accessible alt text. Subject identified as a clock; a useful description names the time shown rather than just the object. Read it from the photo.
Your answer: 1:59
